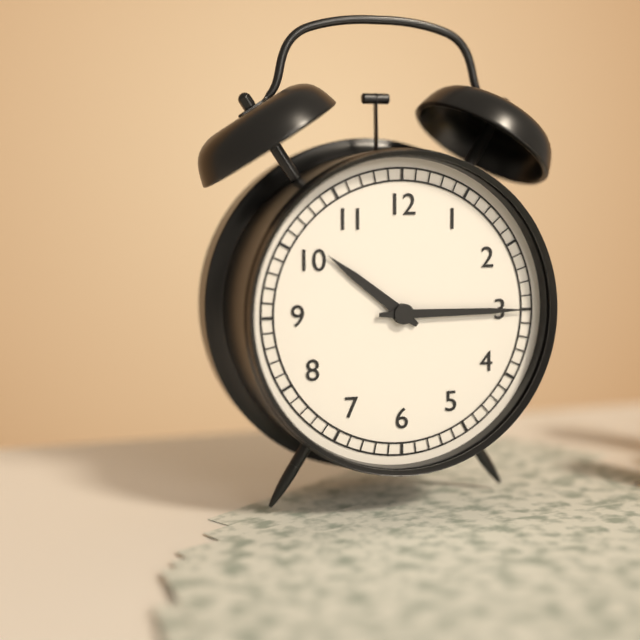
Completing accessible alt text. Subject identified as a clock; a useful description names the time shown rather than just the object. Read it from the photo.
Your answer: 10:15
